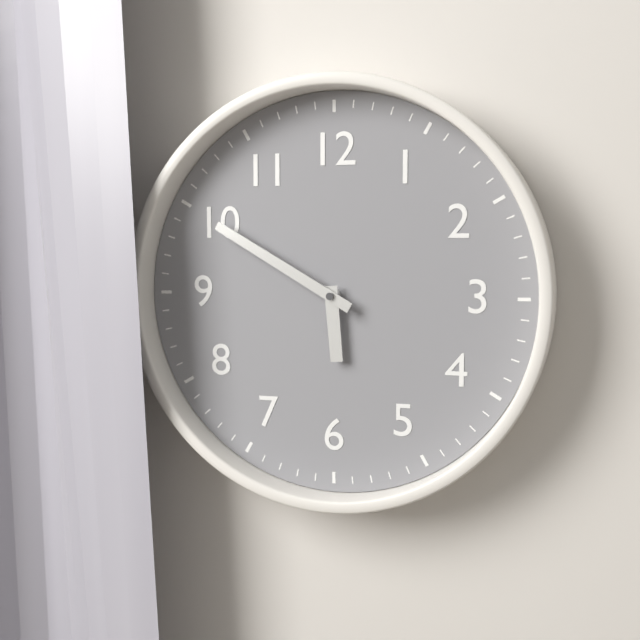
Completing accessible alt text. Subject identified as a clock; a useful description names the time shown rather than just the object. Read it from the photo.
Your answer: 5:50
